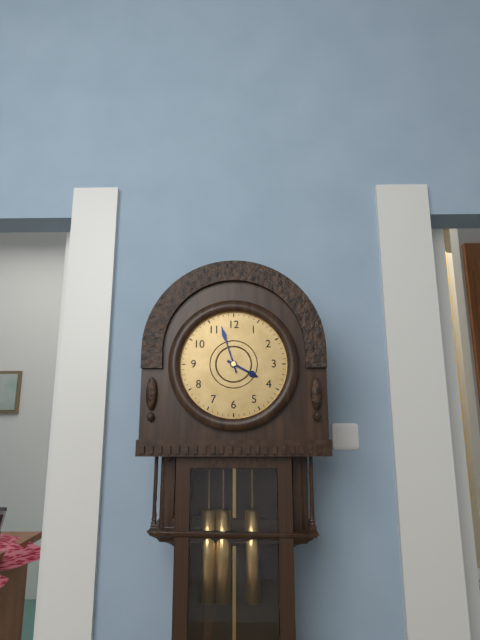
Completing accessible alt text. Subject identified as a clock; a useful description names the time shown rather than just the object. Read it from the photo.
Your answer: 3:57
